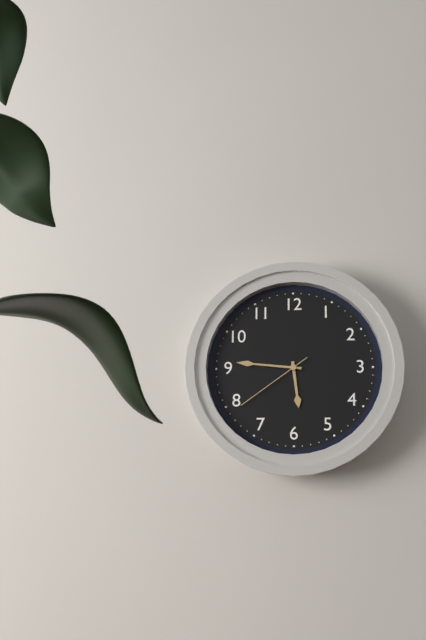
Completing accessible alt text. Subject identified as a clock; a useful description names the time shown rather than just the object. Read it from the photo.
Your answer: 5:46:39
